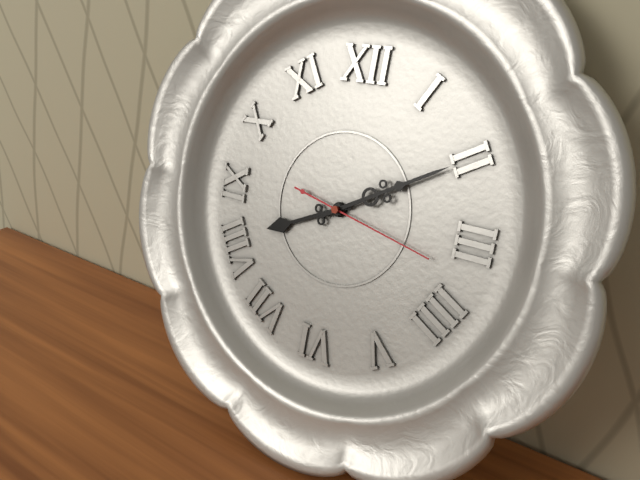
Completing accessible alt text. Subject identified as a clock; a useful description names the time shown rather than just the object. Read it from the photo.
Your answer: 8:10:17
